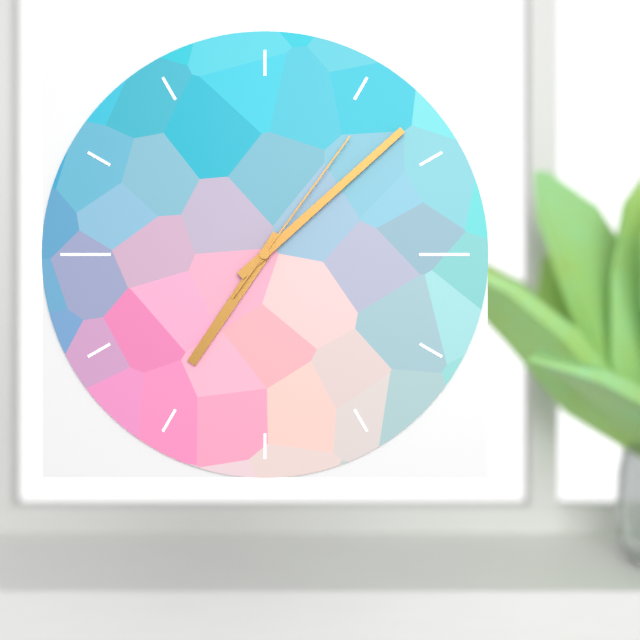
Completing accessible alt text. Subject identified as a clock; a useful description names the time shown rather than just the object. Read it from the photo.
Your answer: 7:08:06
